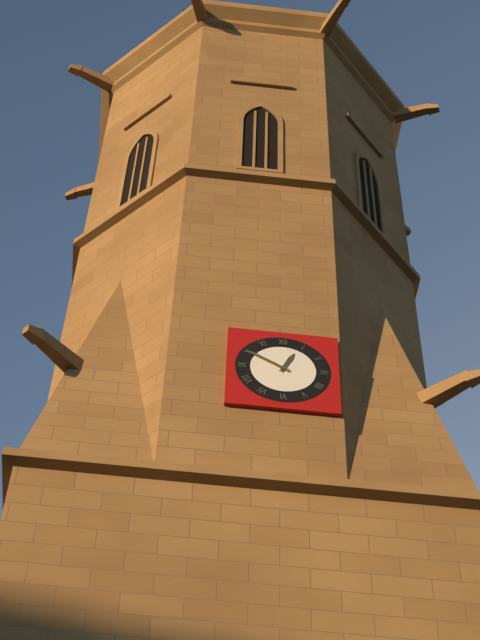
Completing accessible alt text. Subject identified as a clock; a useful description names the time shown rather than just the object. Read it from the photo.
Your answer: 12:50
